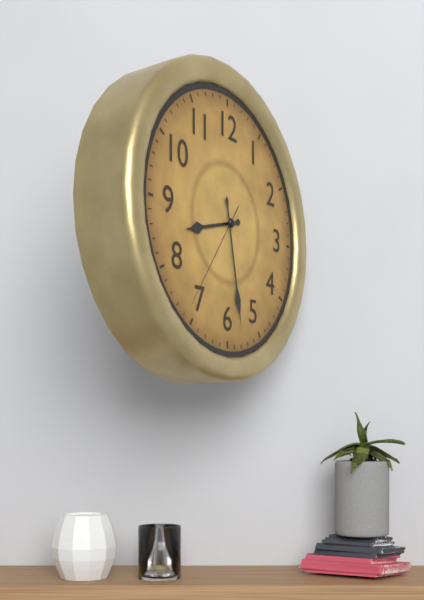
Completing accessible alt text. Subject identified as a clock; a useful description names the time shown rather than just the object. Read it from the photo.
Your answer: 8:28:36
